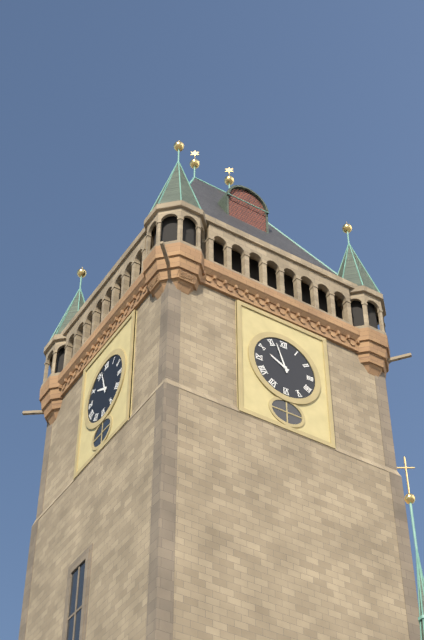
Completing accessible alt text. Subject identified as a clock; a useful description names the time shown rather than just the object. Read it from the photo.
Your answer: 9:57
